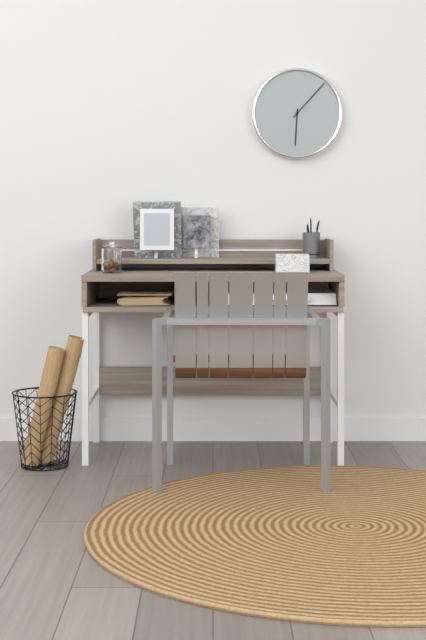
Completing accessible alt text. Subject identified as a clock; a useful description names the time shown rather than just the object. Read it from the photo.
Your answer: 6:07
